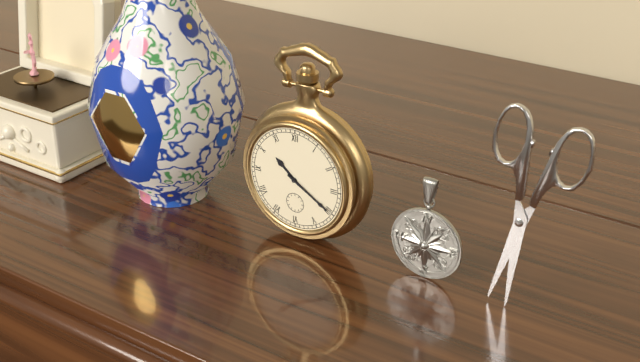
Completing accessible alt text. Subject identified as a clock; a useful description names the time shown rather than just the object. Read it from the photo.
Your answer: 10:20
